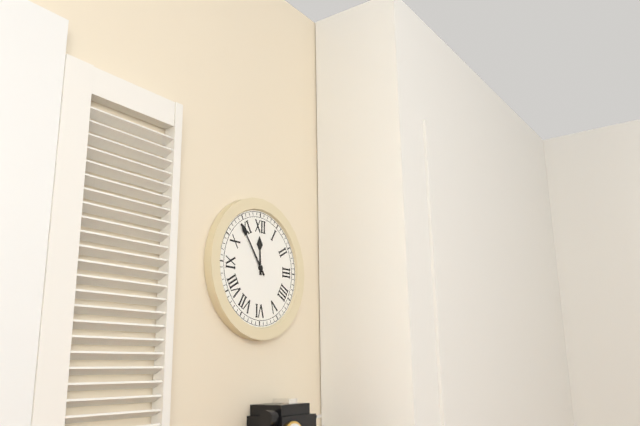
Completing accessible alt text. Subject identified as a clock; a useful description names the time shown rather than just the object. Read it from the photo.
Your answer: 11:54
